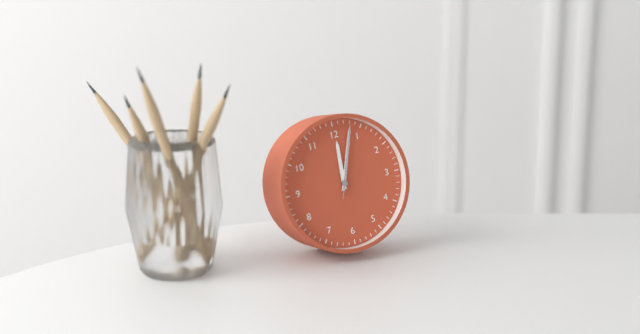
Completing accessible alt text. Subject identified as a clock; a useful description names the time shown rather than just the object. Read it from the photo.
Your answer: 12:03:03
